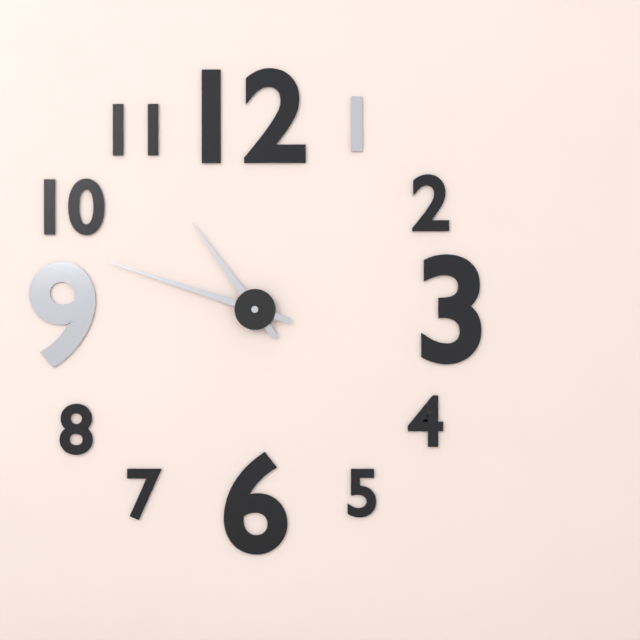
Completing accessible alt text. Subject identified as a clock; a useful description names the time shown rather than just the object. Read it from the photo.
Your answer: 10:48
